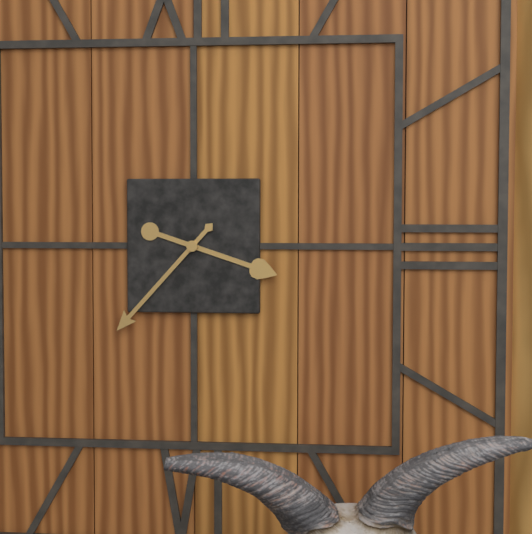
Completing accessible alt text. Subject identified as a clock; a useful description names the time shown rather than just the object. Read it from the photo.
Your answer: 3:37
